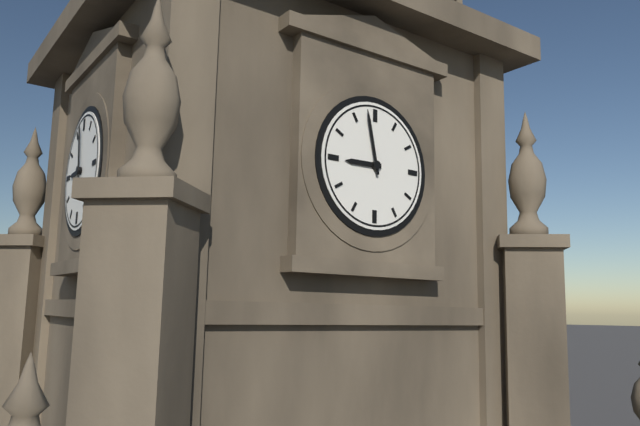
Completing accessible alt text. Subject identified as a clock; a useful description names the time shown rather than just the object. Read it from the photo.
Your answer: 8:58
